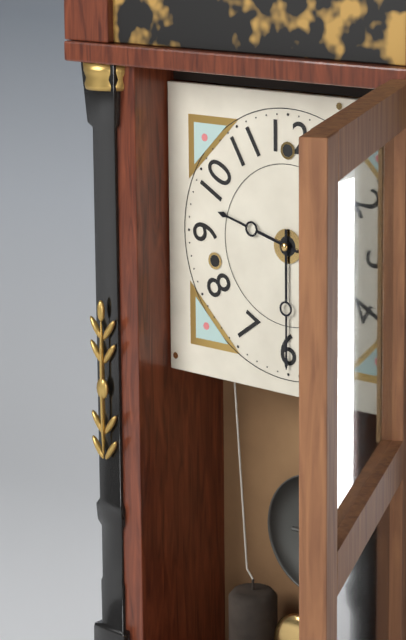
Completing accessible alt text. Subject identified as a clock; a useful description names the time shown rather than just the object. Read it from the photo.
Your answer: 9:30
